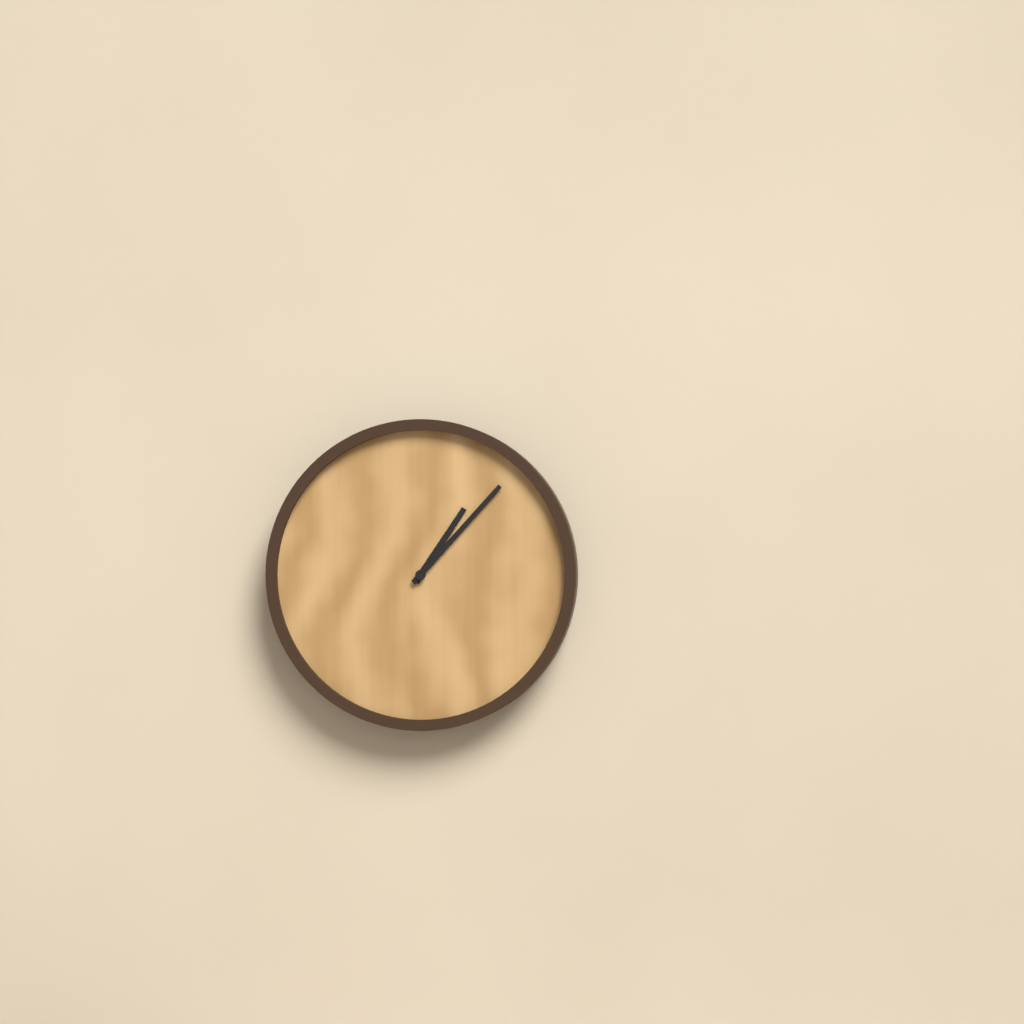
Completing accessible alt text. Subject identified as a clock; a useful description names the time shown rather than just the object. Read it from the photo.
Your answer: 1:07
